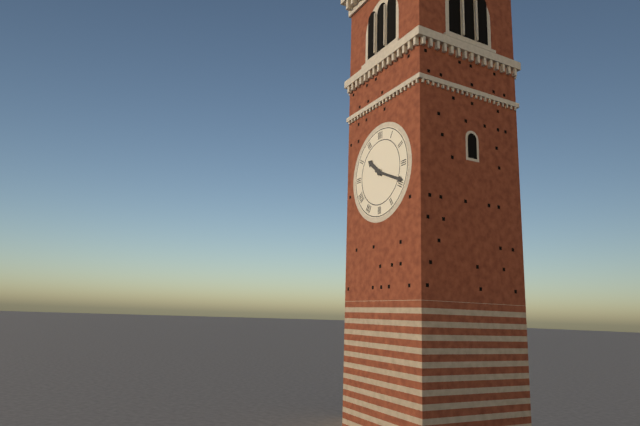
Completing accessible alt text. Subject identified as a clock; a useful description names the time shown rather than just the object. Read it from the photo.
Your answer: 10:19
